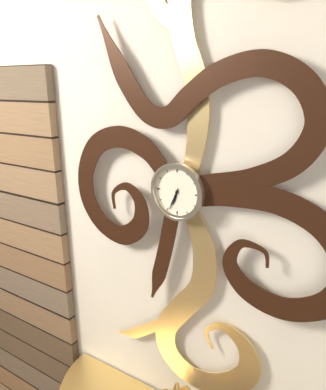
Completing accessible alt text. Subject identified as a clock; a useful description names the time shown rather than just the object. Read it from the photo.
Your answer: 6:34
